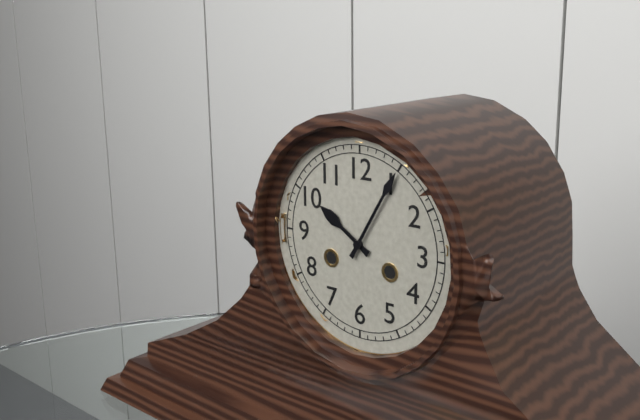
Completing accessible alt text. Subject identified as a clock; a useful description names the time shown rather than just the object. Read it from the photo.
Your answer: 10:05
